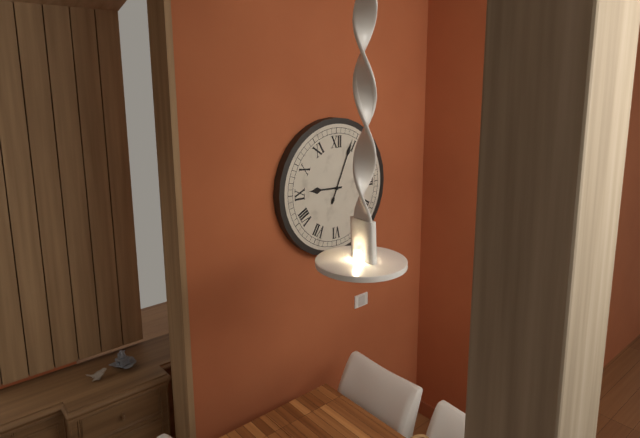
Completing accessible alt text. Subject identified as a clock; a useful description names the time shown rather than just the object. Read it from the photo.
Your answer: 9:04
